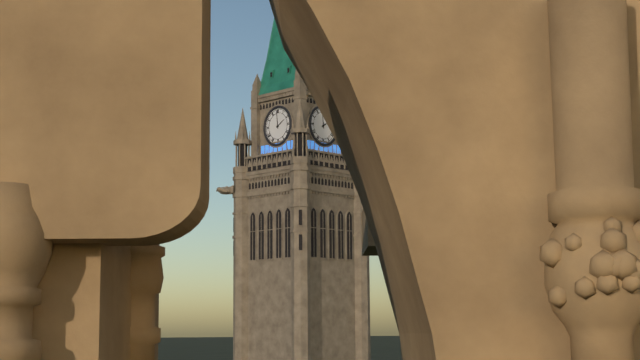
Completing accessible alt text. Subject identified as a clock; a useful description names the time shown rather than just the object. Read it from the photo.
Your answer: 1:59
